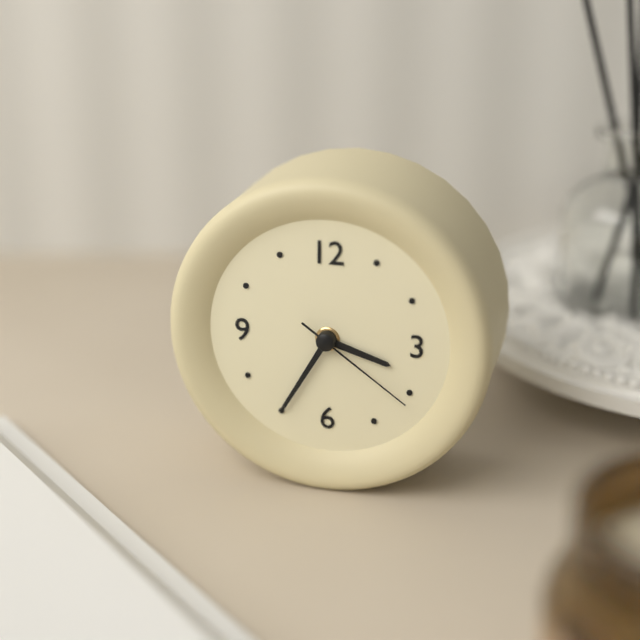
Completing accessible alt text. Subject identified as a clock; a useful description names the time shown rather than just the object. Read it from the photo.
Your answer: 3:35:21
